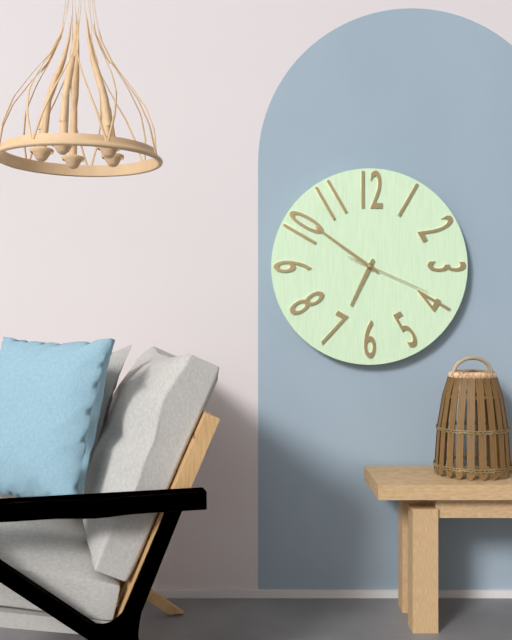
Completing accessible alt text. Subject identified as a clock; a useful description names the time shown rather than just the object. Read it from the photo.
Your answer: 6:51:19
